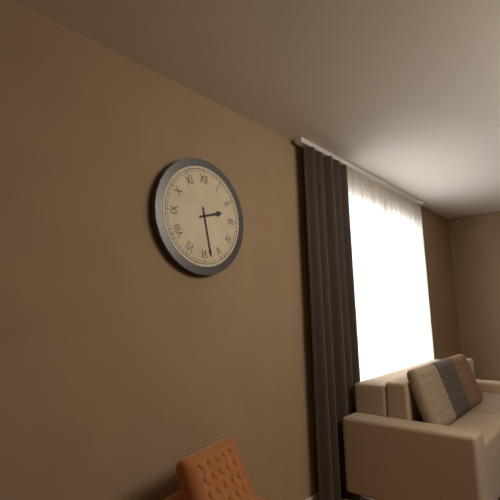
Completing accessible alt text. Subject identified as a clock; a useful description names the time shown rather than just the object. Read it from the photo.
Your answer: 2:28
